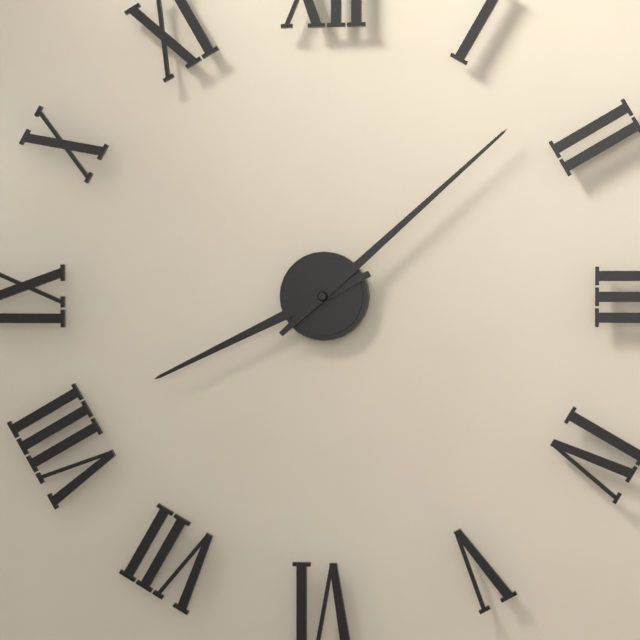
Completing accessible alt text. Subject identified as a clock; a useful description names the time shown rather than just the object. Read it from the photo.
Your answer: 8:08
